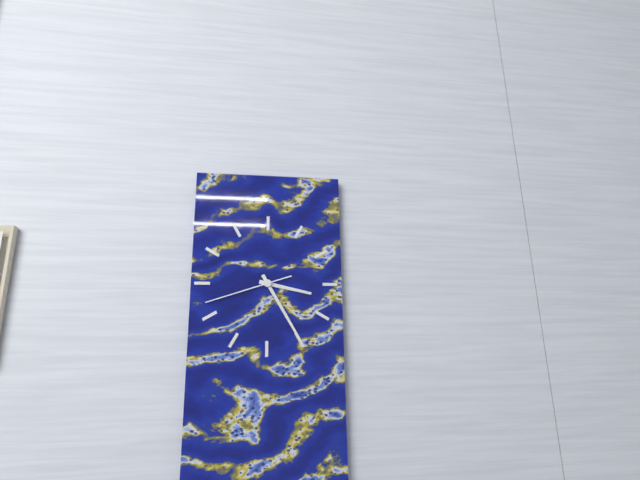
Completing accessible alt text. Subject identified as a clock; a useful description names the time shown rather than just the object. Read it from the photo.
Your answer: 3:25:42
